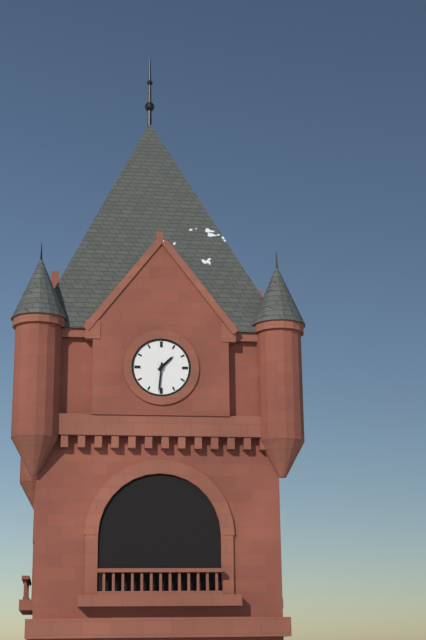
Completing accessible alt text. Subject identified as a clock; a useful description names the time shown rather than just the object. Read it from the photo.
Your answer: 1:31
